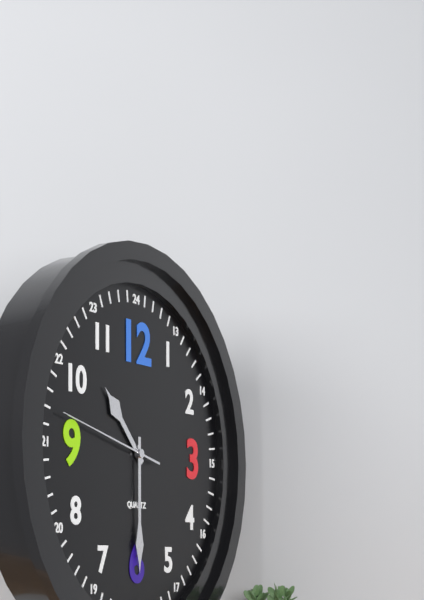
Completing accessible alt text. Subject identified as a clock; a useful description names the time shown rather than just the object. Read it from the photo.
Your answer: 10:30:47
